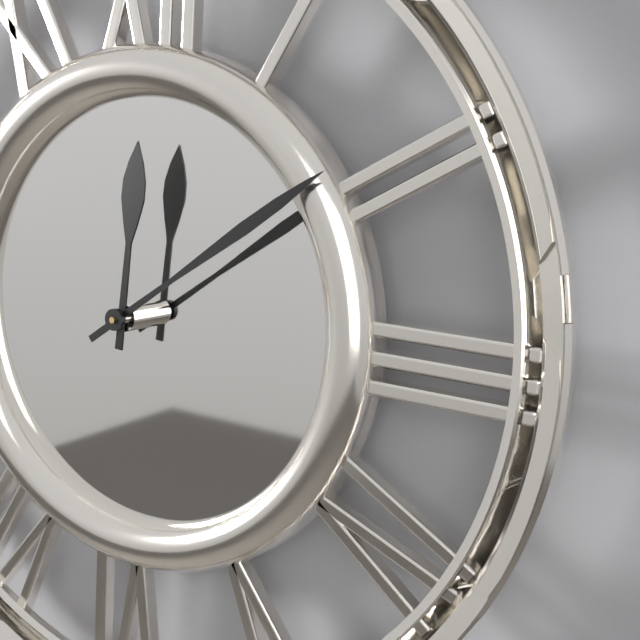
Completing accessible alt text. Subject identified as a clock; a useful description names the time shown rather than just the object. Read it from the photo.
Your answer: 12:09
